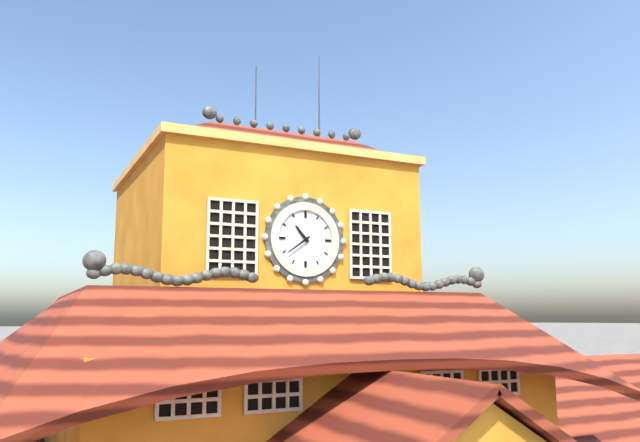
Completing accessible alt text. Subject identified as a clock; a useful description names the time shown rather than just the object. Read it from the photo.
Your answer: 10:39
